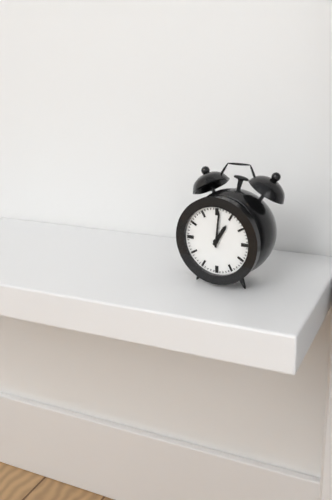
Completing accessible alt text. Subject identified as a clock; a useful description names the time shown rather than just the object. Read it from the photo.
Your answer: 1:01
